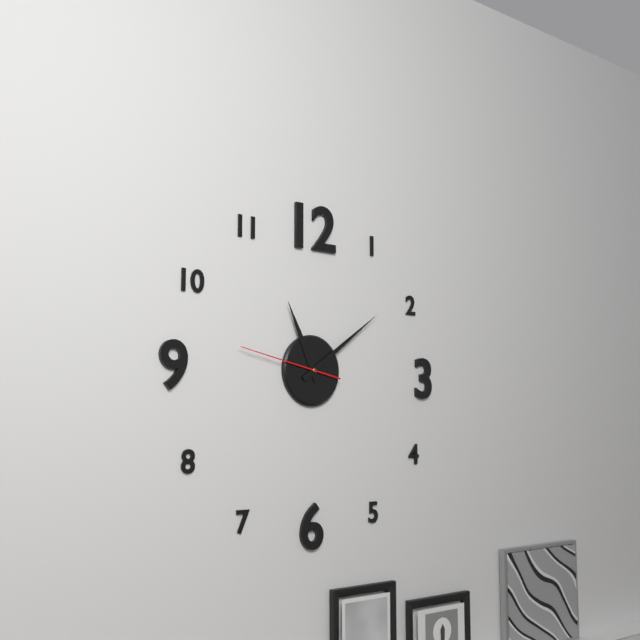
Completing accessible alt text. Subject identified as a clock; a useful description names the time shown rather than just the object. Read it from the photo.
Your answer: 11:09:47
